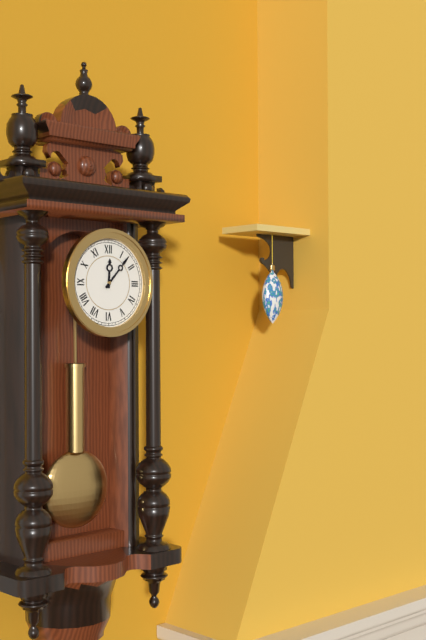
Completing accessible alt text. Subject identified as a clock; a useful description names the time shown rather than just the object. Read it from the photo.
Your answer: 12:07
